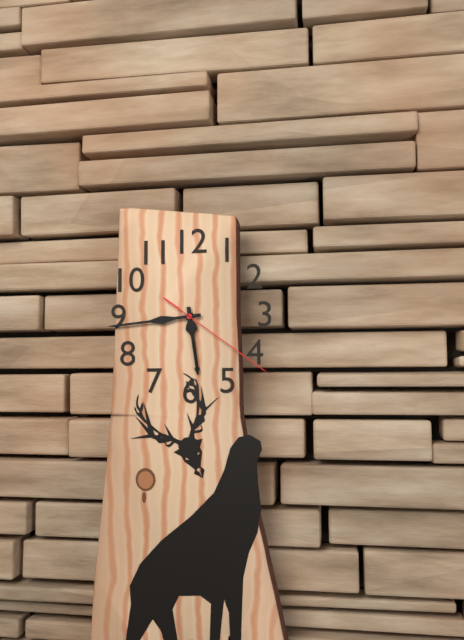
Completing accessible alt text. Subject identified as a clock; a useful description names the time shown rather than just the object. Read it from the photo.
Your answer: 5:44:21
